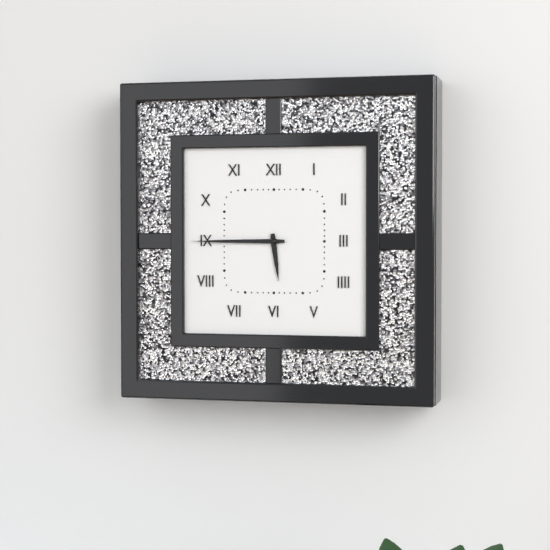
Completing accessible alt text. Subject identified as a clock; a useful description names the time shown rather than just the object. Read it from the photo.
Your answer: 5:45
